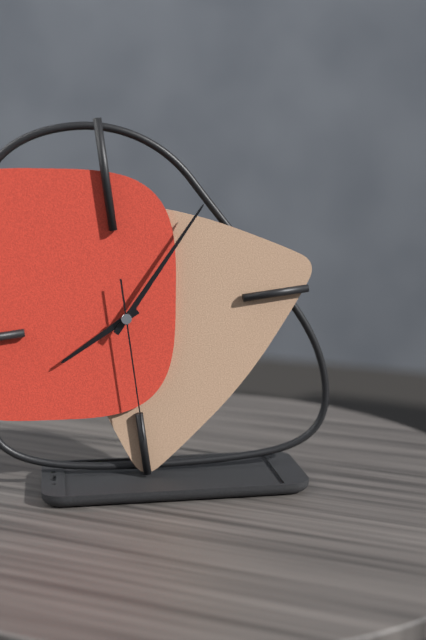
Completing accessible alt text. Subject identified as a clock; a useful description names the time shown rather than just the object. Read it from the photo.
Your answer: 8:07:30
